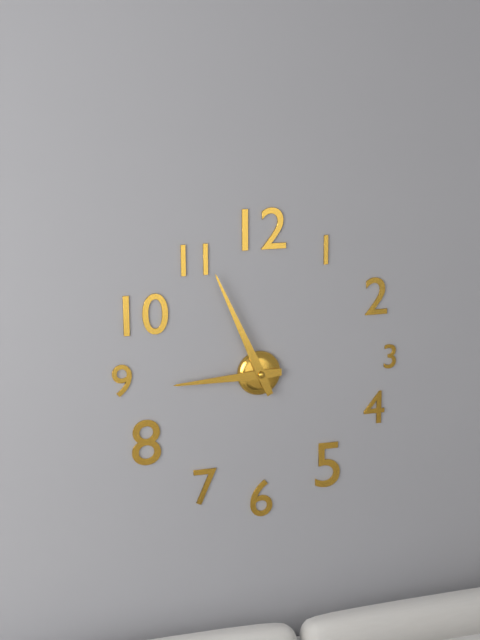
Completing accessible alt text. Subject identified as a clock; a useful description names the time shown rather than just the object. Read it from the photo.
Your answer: 8:56
